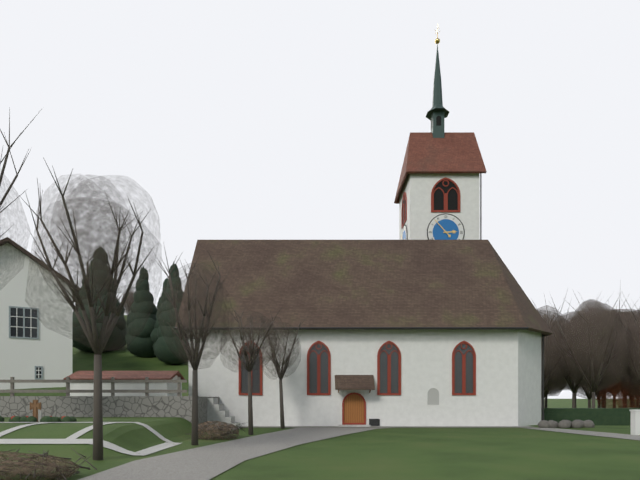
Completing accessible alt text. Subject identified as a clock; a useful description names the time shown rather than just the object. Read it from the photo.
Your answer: 2:53
